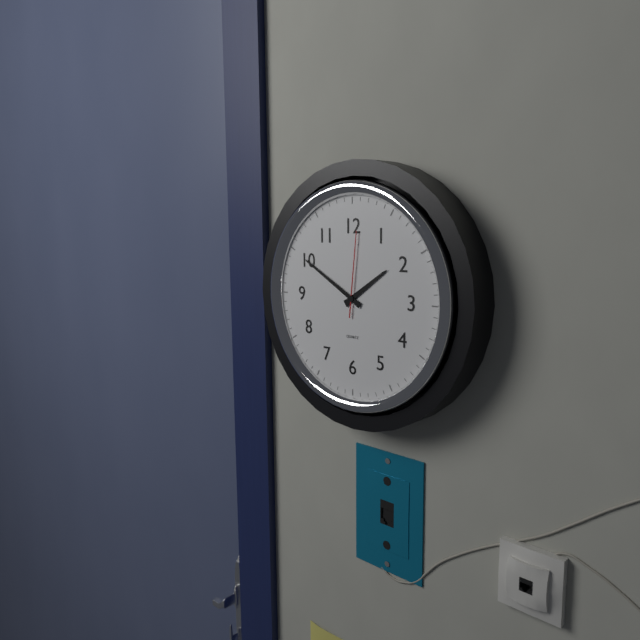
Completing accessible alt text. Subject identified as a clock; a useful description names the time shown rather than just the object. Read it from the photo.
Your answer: 1:50:01
